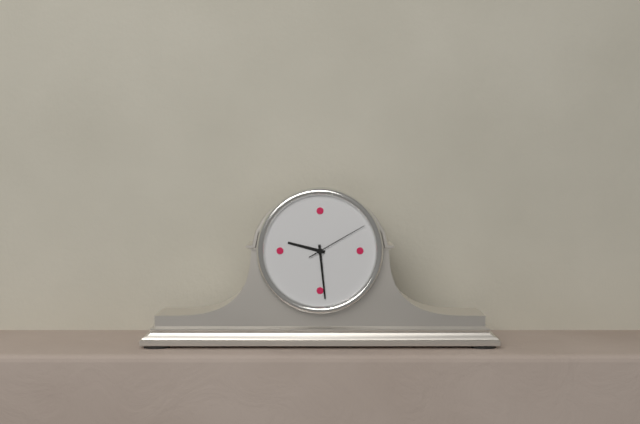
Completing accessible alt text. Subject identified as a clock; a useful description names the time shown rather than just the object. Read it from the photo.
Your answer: 9:29:10
